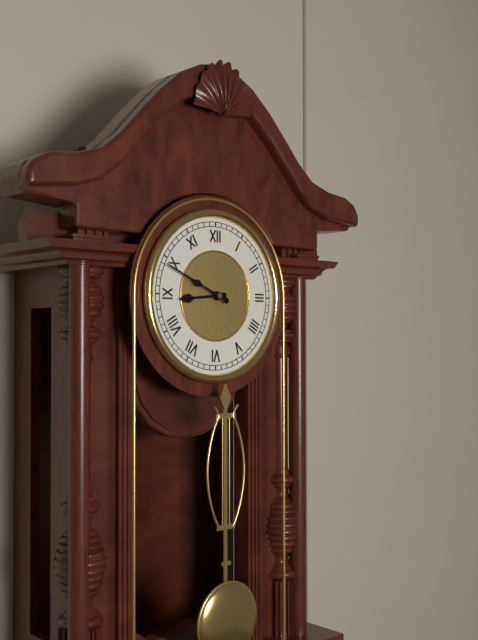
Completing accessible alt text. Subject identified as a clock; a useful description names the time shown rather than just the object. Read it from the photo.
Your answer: 8:49
